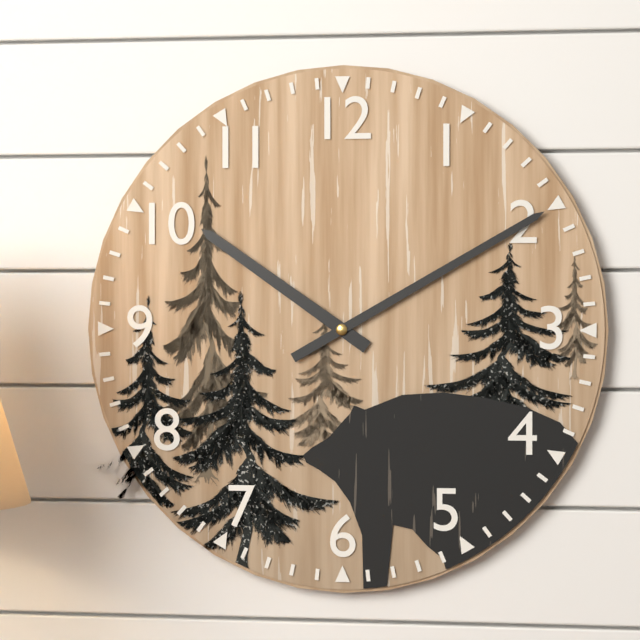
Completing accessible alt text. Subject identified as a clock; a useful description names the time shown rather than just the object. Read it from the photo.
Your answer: 10:10
